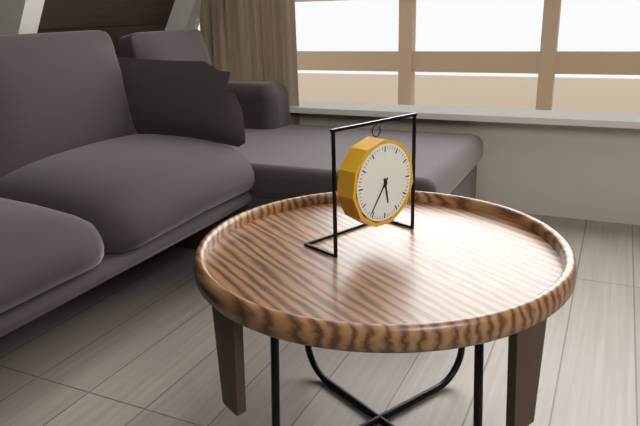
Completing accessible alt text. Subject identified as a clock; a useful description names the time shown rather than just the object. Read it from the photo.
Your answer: 5:36
